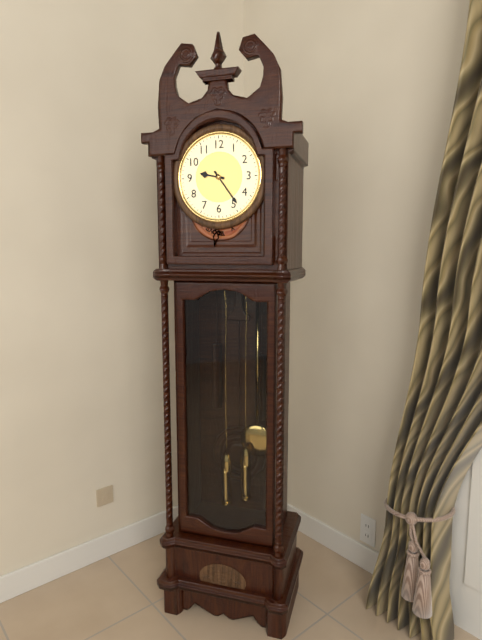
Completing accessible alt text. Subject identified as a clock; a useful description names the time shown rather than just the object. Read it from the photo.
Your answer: 9:24
